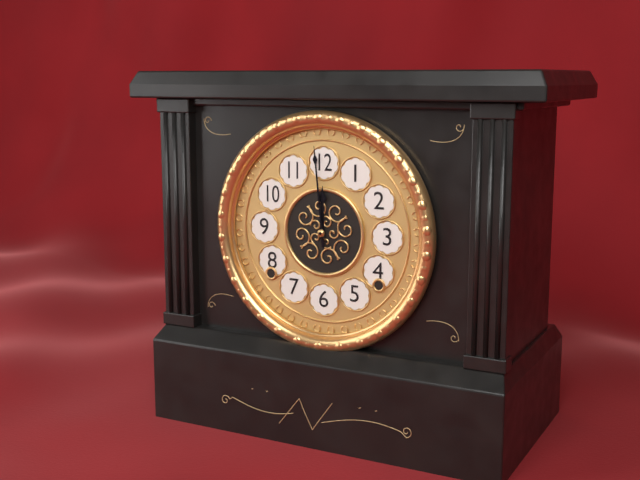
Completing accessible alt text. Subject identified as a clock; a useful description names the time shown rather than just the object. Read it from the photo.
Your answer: 11:59
